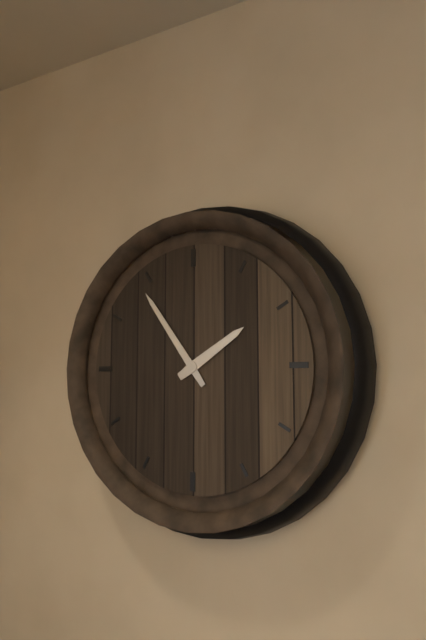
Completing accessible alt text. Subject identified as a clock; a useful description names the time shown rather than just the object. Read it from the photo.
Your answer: 1:54
